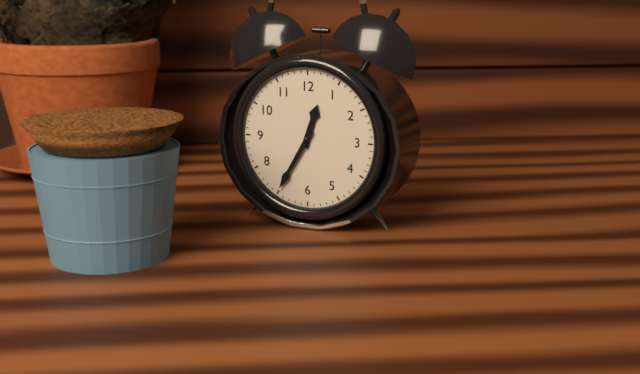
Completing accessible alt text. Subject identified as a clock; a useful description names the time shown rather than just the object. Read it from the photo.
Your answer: 12:35
